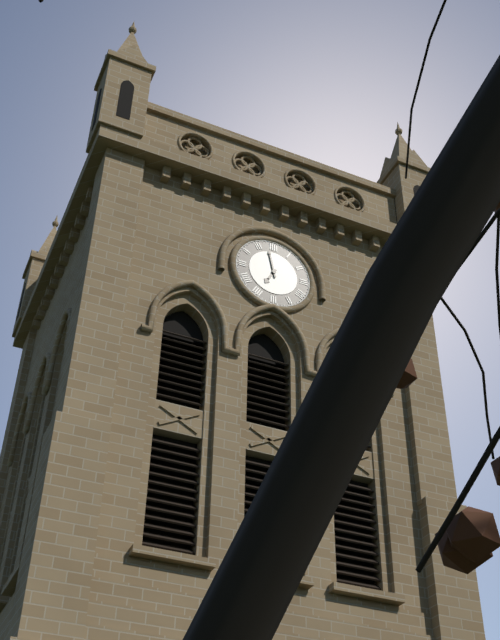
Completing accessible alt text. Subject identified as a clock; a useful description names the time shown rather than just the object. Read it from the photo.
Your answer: 6:58
